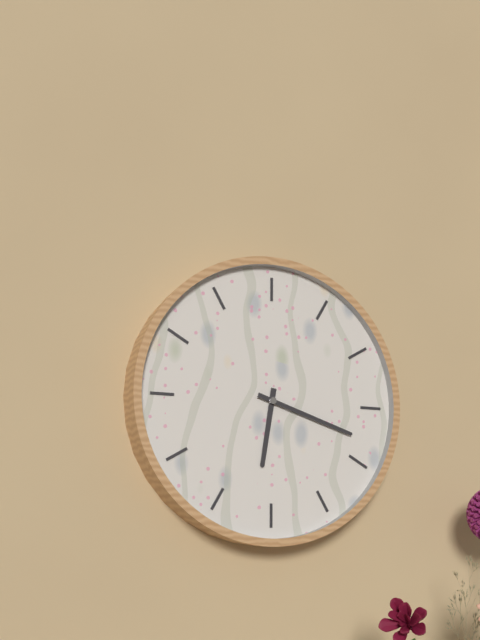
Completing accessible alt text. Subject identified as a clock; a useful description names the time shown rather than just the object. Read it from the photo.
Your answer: 6:18
